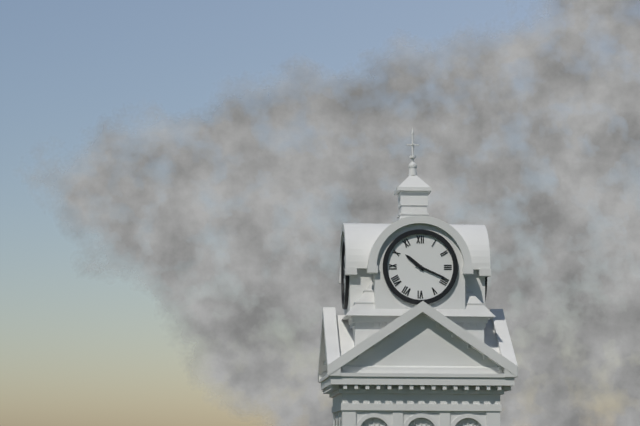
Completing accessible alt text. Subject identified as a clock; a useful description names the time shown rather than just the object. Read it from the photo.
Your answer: 10:19
